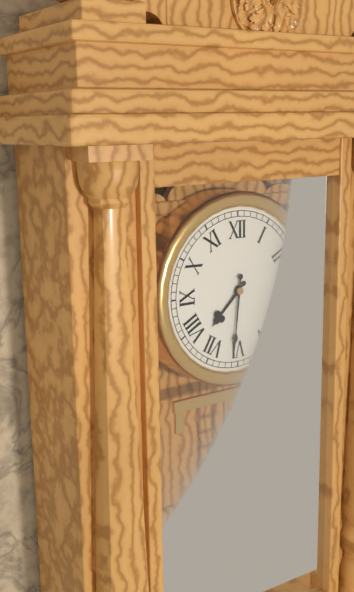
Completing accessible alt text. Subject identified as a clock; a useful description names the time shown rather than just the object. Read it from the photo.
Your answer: 7:31
